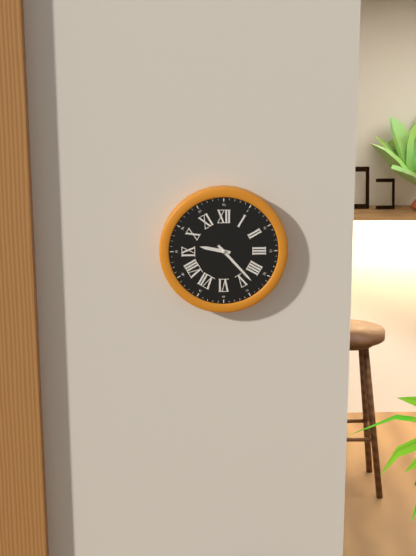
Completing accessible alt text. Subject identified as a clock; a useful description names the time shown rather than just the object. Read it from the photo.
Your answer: 9:23
